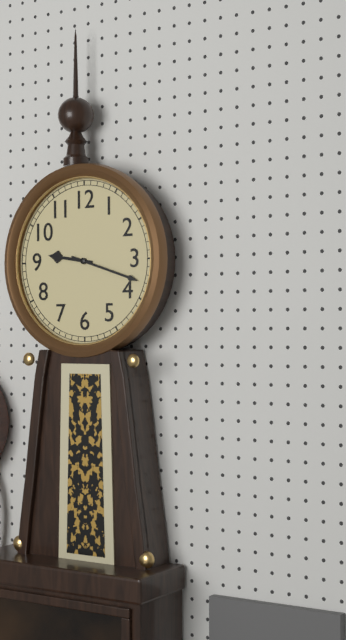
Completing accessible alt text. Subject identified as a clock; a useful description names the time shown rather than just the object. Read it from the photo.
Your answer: 9:18
